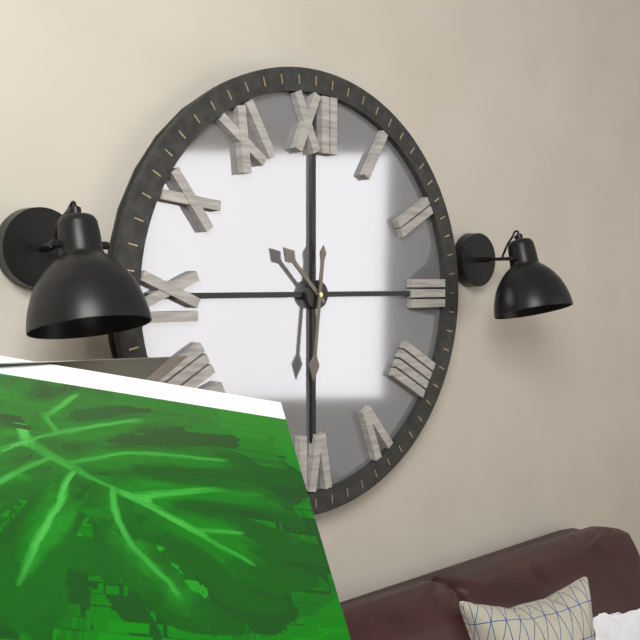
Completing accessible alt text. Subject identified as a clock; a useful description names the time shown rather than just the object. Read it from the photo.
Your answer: 10:31
